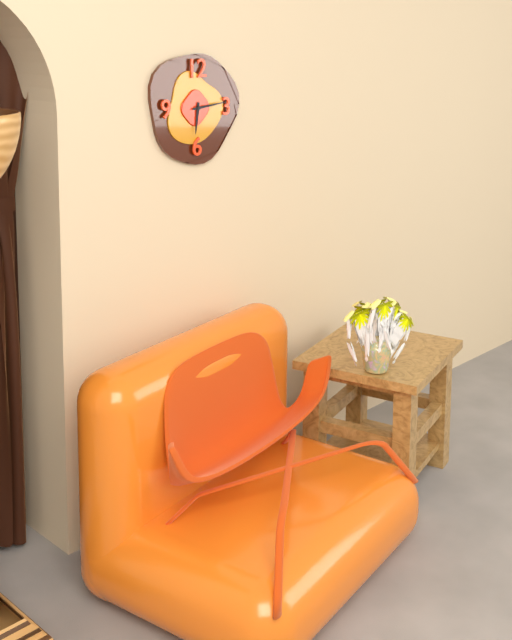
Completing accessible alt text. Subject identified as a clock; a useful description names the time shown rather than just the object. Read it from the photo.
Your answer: 6:14
